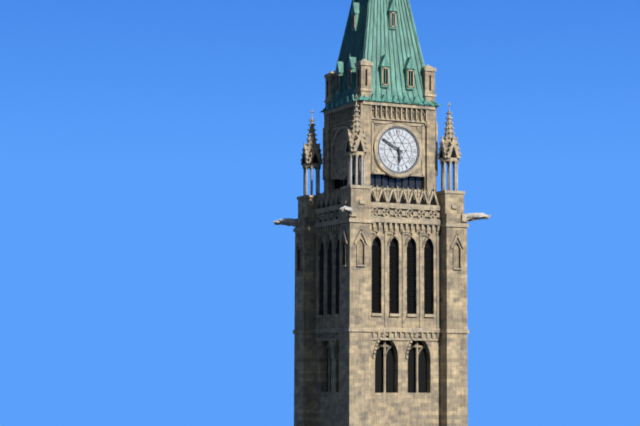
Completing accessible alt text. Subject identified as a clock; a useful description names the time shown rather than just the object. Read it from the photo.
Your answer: 5:50
